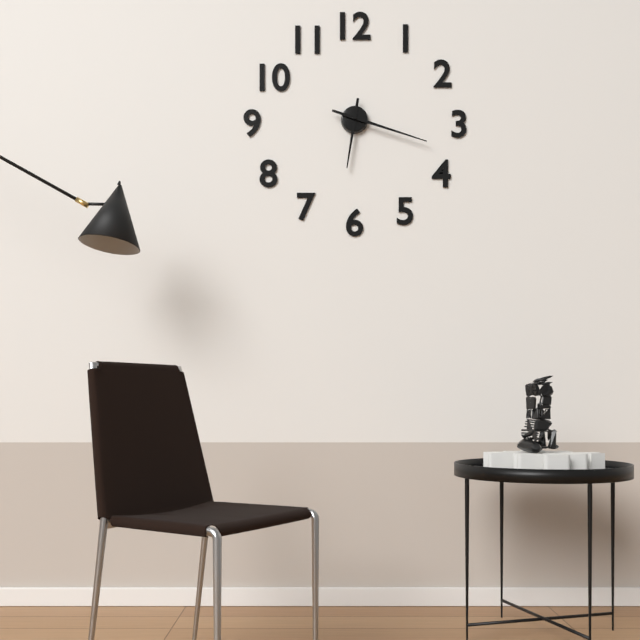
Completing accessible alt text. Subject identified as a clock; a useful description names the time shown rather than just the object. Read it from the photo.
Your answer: 6:18
